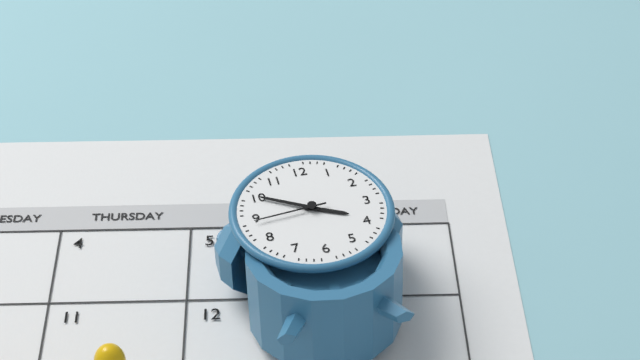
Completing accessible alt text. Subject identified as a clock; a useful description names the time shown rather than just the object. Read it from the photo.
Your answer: 3:50:44
